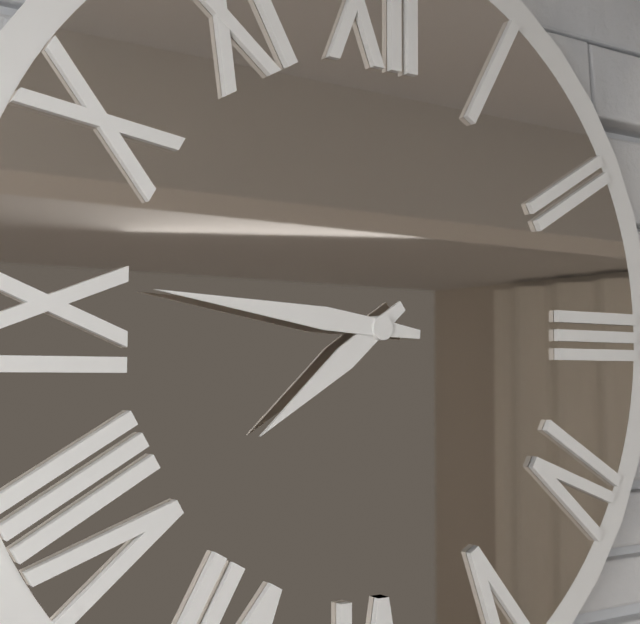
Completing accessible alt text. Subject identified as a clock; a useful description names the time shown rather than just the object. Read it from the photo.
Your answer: 7:46
